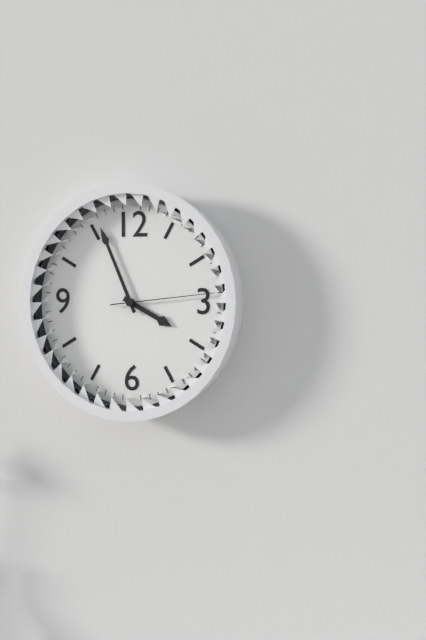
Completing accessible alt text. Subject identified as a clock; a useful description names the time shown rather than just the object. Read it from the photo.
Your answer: 3:56:14
